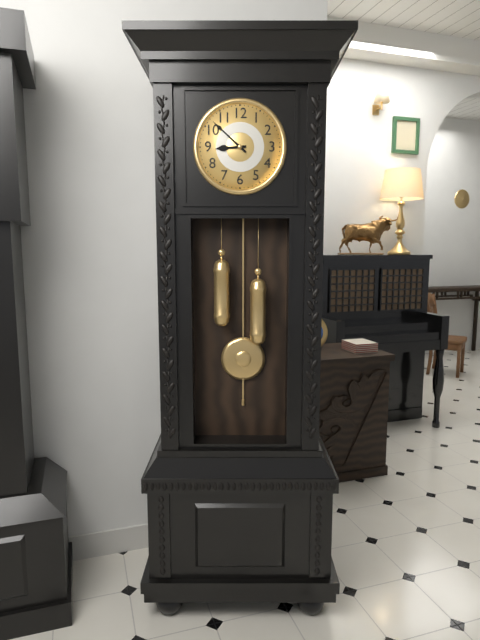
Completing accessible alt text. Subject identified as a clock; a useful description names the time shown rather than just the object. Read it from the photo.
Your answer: 8:52
